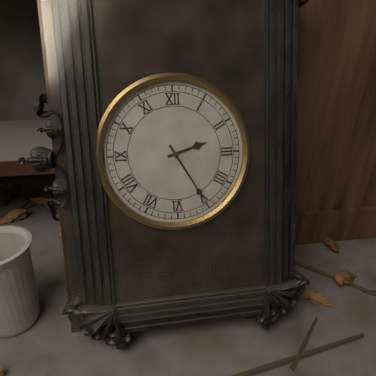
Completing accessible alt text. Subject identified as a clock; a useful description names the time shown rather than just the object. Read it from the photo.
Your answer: 2:25
